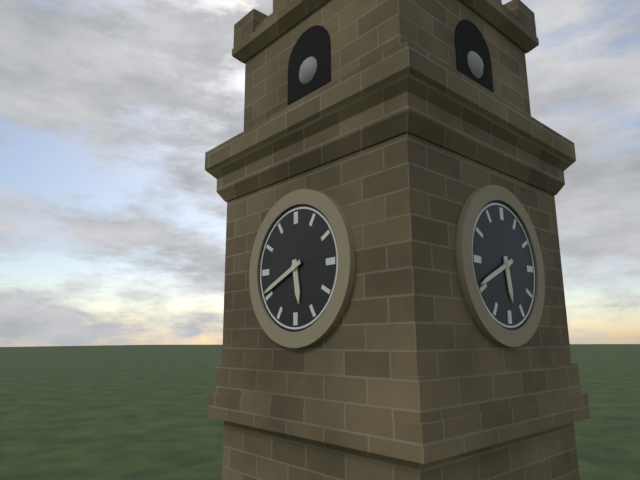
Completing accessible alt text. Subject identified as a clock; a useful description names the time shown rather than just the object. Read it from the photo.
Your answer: 5:41
